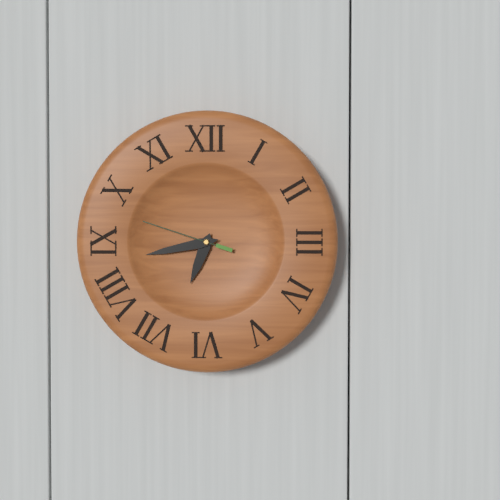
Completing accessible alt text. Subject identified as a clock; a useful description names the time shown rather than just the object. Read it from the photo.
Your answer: 6:43:48
